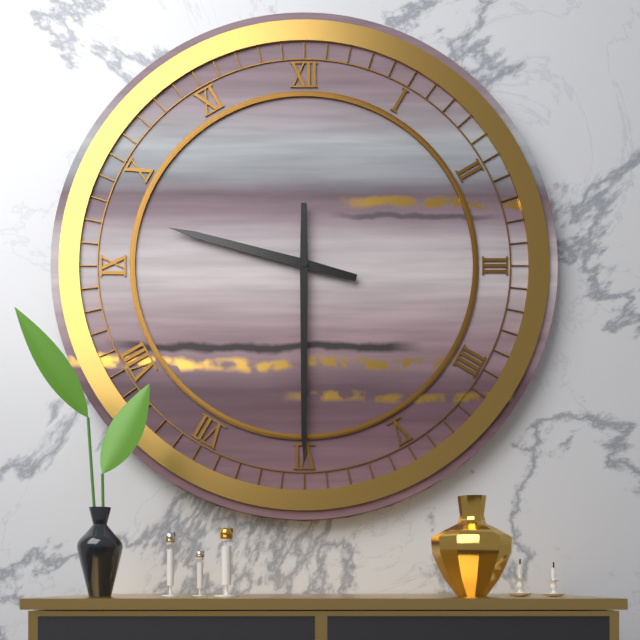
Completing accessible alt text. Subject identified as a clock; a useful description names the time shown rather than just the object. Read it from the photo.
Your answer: 9:30
